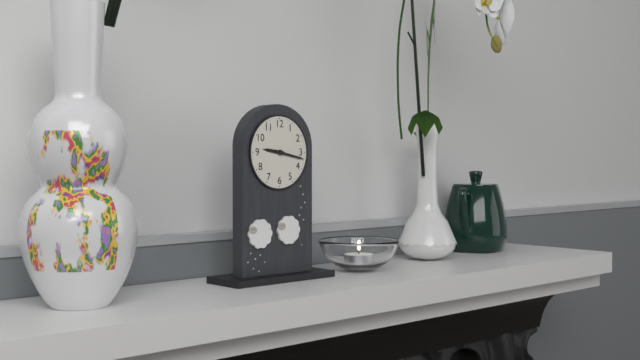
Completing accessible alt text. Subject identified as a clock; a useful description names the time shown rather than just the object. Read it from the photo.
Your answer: 9:17
